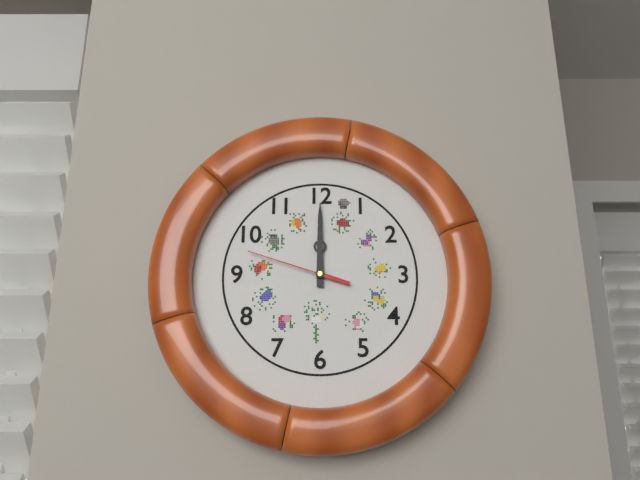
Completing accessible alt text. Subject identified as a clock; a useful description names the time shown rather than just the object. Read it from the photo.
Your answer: 12:00:48
